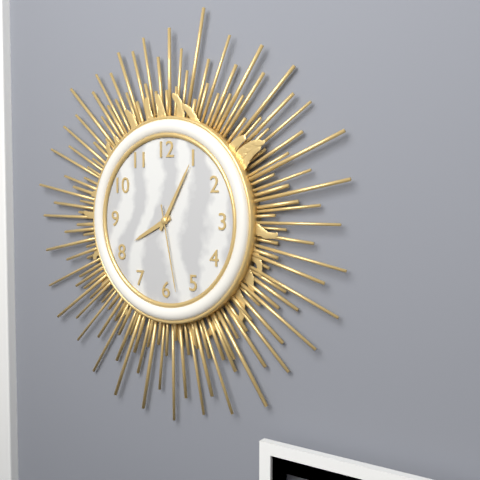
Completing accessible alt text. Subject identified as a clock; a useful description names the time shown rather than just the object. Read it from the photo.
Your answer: 8:05:28
